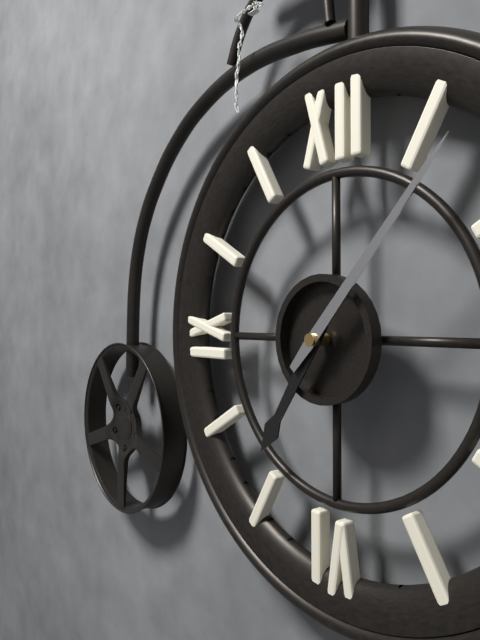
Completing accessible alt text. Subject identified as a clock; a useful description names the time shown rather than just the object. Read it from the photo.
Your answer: 7:07
